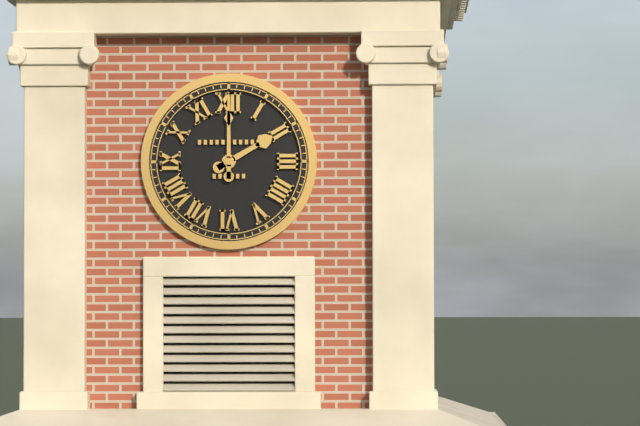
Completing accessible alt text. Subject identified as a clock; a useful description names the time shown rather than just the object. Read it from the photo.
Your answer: 2:00
